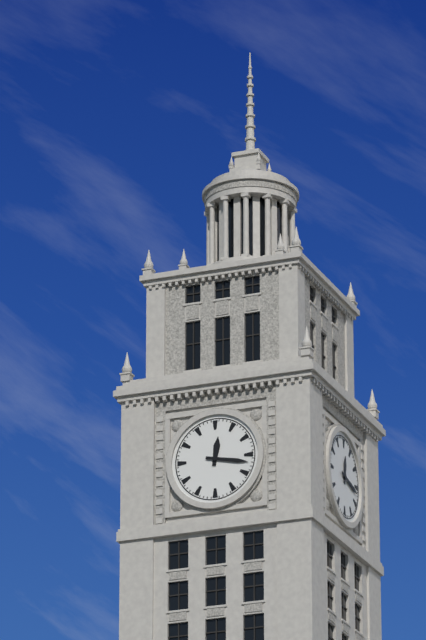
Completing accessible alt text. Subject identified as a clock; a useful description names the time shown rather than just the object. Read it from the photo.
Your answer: 12:17
